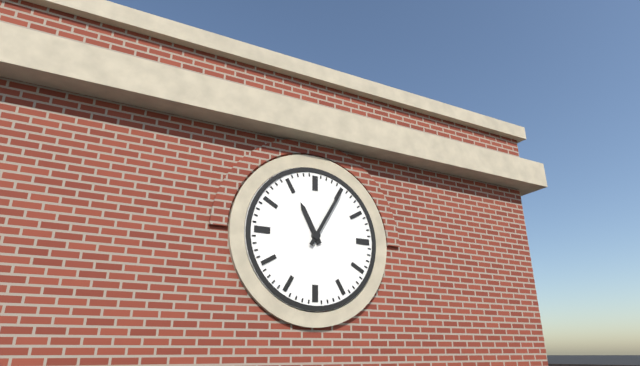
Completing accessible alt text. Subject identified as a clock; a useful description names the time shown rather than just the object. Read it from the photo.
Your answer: 11:05
